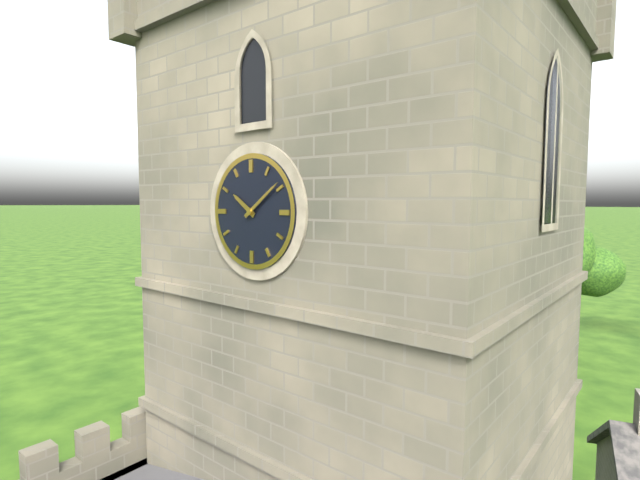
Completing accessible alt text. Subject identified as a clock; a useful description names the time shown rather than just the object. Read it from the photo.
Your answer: 10:09
